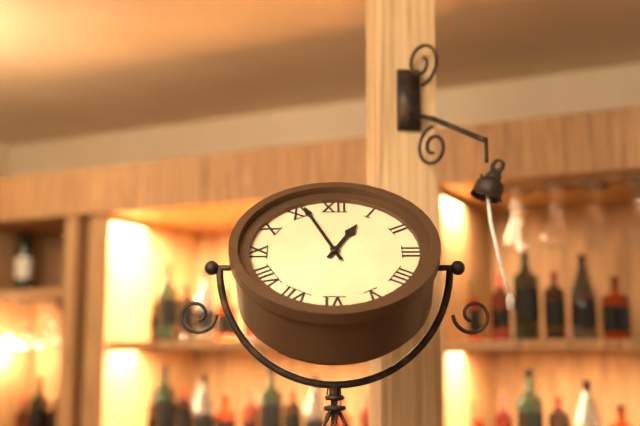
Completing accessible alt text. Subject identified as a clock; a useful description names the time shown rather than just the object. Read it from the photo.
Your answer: 12:56
